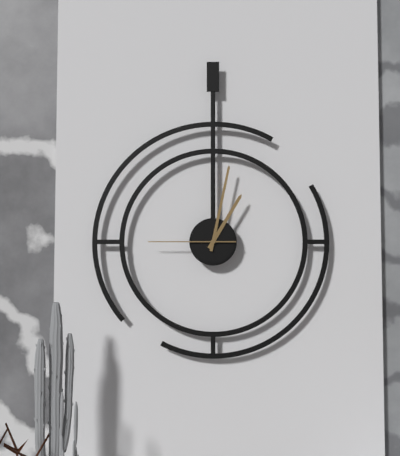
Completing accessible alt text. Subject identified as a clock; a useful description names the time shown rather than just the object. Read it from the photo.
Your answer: 1:02:45
